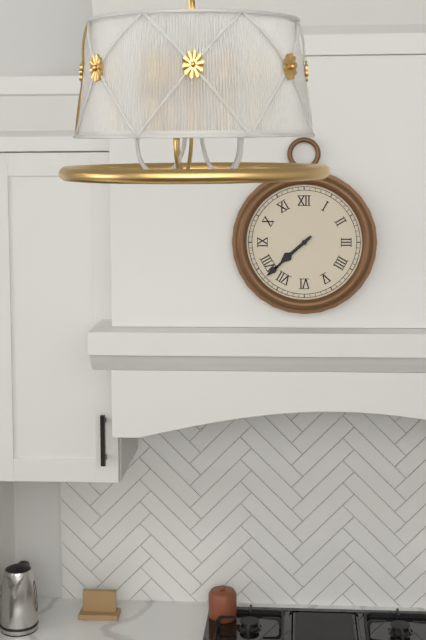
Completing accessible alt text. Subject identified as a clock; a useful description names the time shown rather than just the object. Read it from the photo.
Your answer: 7:38
